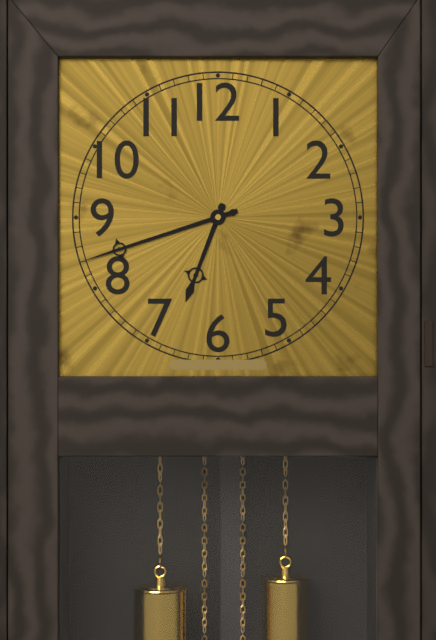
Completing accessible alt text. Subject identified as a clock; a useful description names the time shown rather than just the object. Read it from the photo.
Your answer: 6:42
